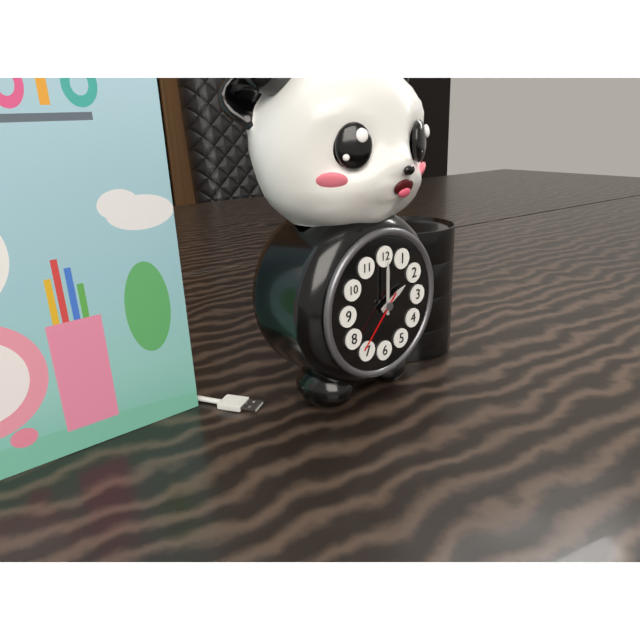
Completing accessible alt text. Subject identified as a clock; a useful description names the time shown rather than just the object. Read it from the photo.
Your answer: 2:00:37
